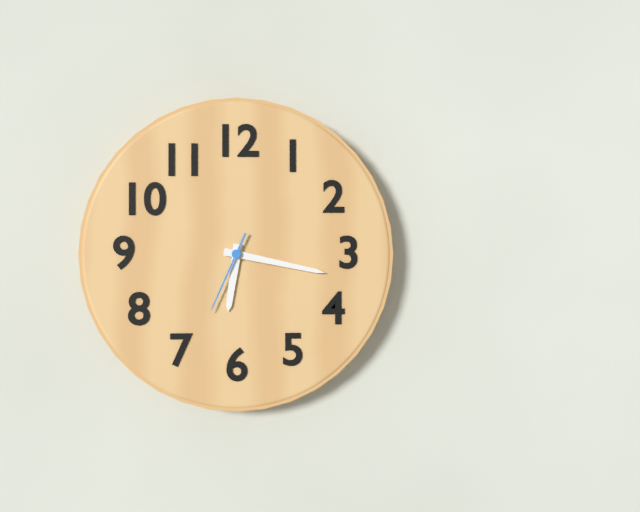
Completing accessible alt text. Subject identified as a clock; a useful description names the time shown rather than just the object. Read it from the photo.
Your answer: 6:17:34
